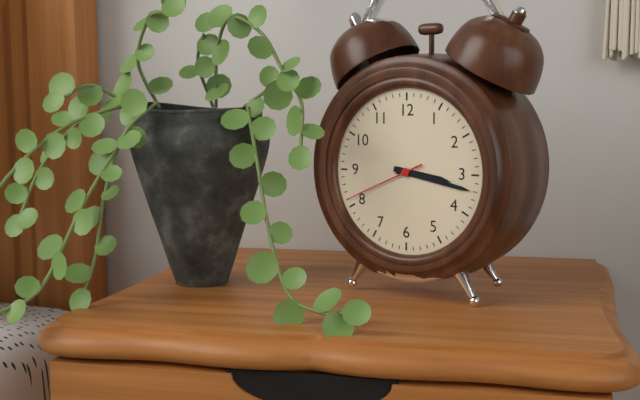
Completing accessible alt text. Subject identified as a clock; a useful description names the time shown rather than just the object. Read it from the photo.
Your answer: 3:17:41
